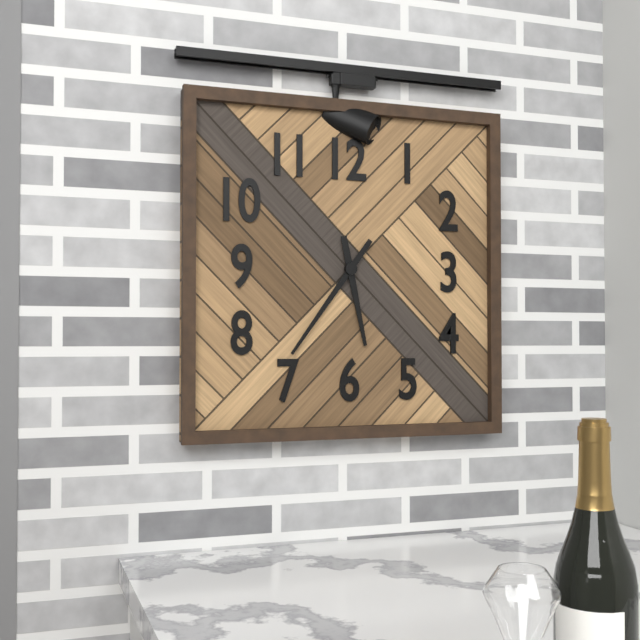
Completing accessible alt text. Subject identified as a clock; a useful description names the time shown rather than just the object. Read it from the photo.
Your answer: 5:36
